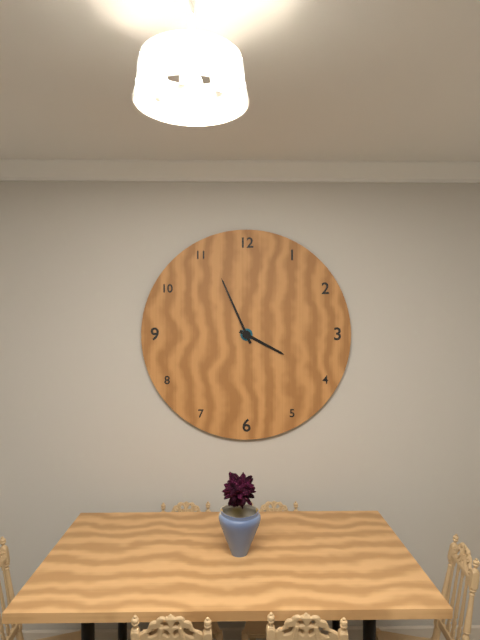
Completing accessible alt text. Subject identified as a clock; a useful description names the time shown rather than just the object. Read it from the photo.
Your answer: 3:56
